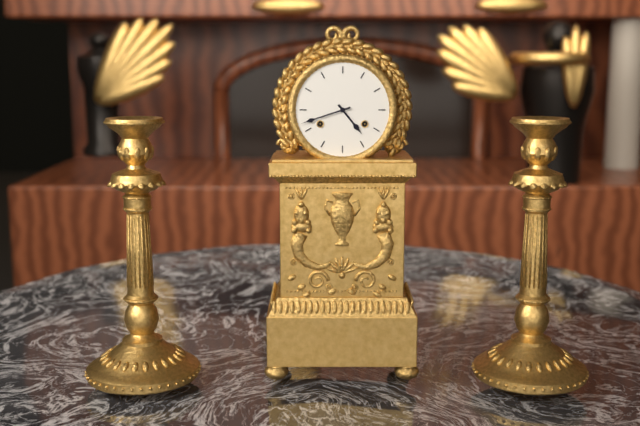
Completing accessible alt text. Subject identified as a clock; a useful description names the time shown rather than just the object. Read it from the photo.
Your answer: 4:42
